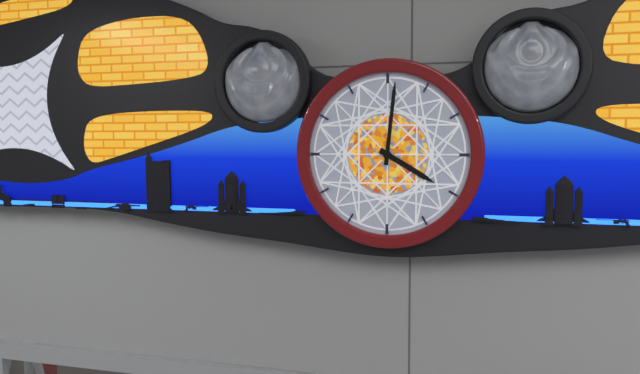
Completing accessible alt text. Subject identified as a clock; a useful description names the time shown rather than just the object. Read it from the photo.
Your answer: 4:01
